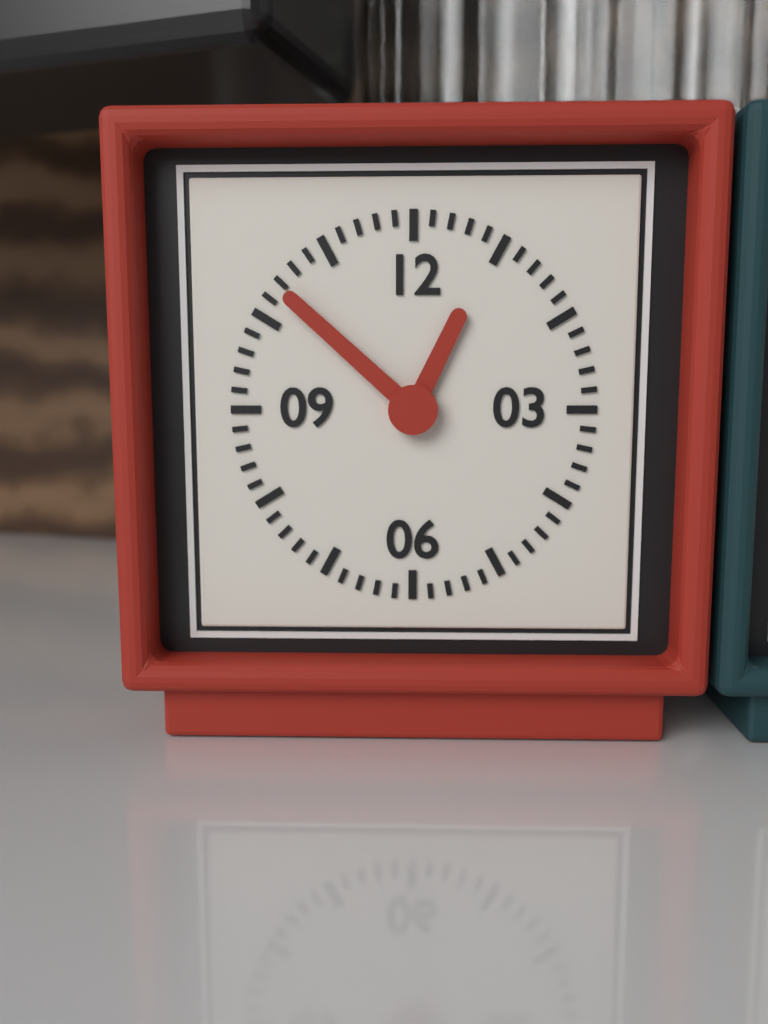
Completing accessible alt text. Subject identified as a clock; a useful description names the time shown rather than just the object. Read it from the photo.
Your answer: 12:52
